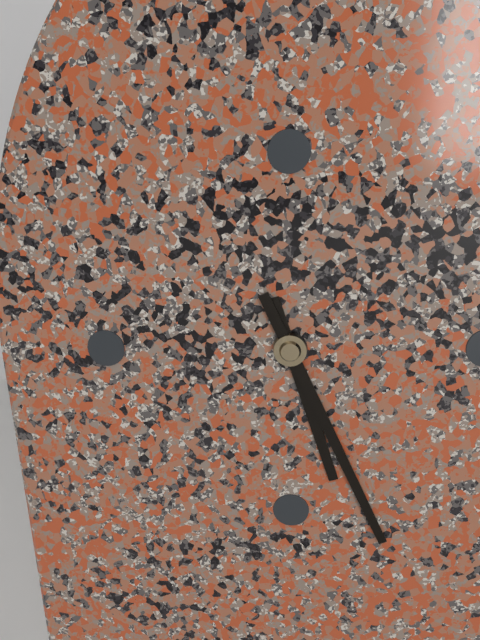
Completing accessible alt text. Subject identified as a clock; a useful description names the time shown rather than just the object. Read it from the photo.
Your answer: 5:26
